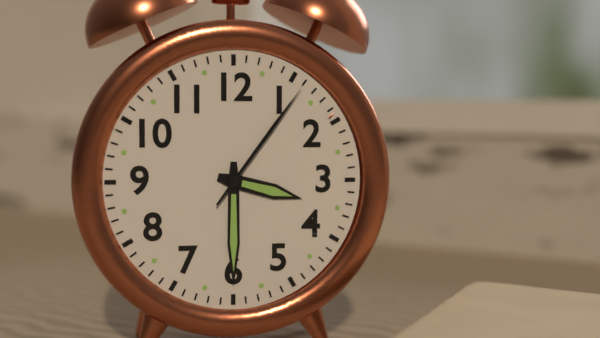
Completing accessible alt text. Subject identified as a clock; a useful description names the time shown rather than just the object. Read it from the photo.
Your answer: 3:30:06
